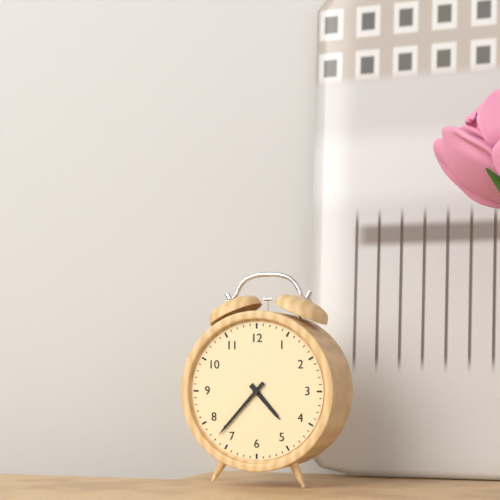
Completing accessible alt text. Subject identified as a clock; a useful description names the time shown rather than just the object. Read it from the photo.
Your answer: 4:37
